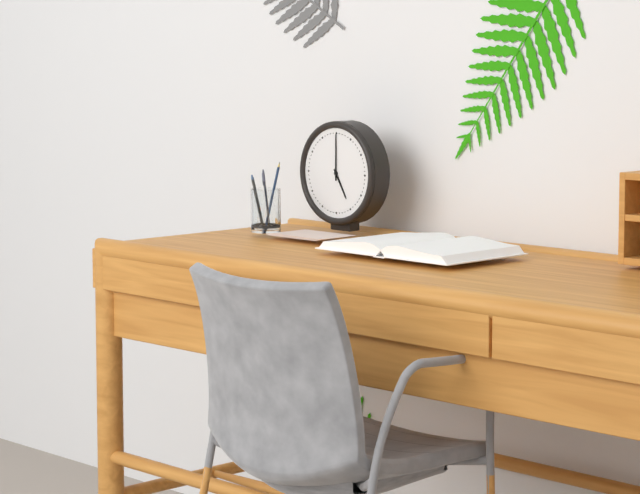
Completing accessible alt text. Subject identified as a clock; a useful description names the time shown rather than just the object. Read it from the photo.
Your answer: 5:00
